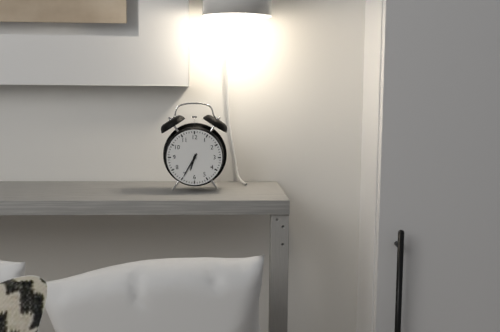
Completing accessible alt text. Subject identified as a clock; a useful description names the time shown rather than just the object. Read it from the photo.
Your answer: 6:35
